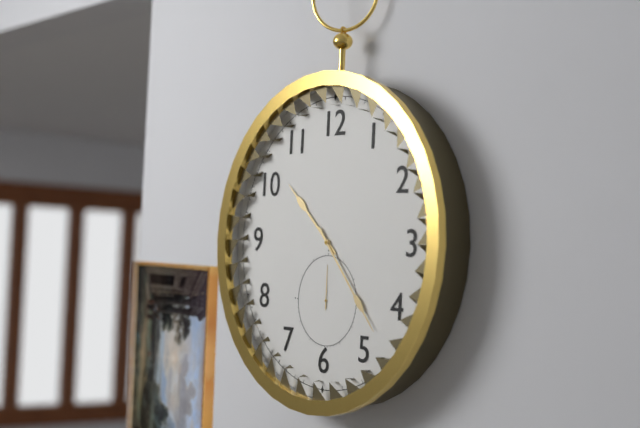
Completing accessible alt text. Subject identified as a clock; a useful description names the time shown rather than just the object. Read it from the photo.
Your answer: 10:23
